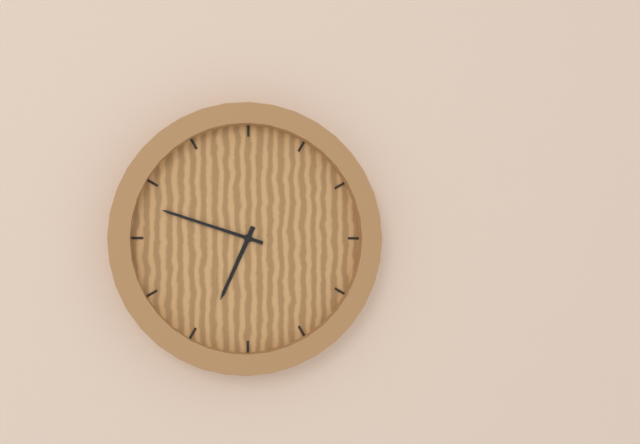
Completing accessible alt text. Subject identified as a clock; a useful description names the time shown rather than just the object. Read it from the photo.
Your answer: 6:48
